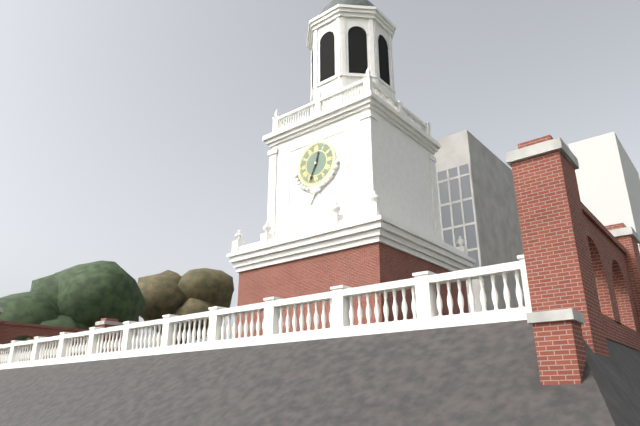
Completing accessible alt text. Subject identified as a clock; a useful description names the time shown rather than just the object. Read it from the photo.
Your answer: 12:34
